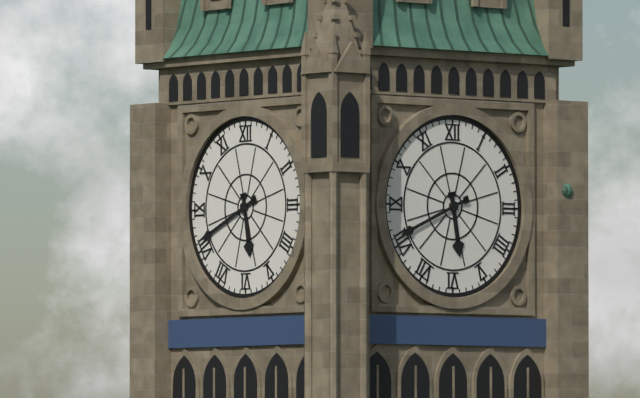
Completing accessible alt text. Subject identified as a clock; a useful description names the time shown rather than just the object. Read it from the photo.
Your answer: 5:41
